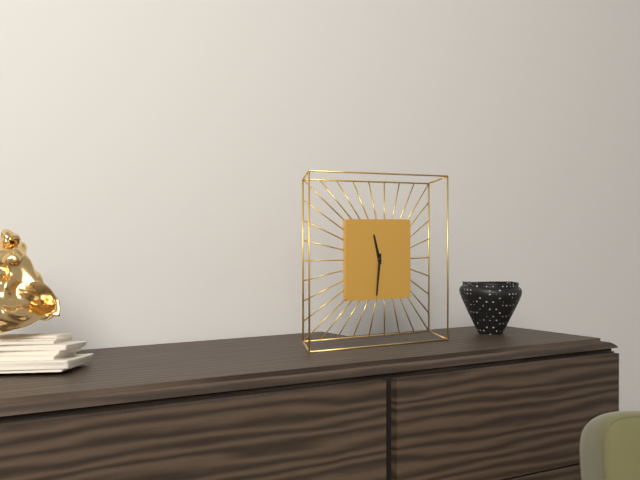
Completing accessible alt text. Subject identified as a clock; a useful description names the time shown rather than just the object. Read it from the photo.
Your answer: 11:31
